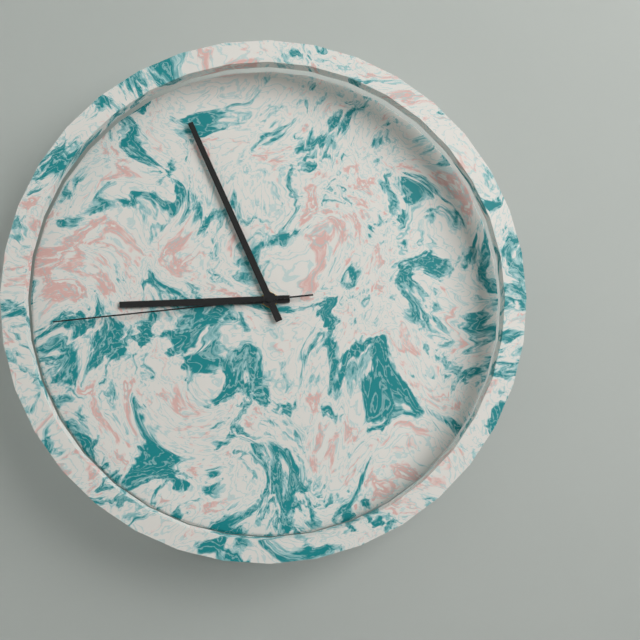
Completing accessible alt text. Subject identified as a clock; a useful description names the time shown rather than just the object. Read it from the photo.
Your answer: 8:56:44
